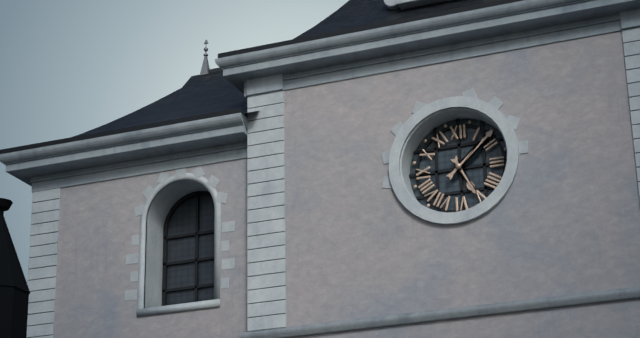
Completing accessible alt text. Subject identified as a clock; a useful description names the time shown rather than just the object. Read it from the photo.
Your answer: 5:08
